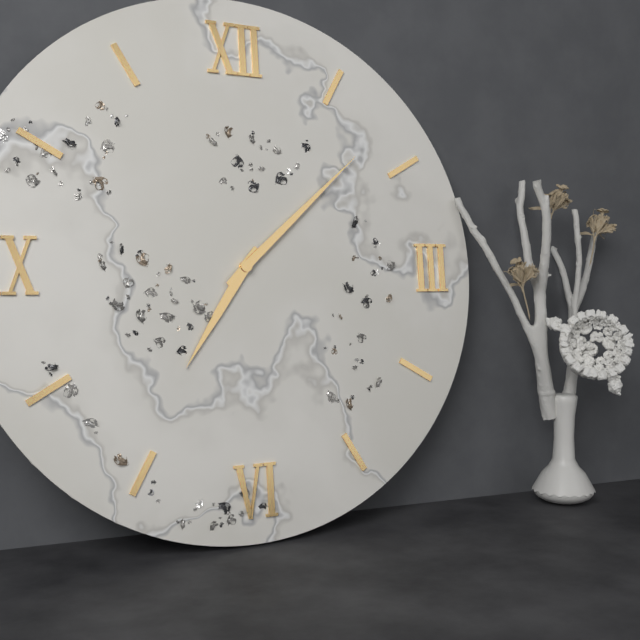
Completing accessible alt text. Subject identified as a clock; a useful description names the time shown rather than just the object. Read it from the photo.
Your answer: 7:08
